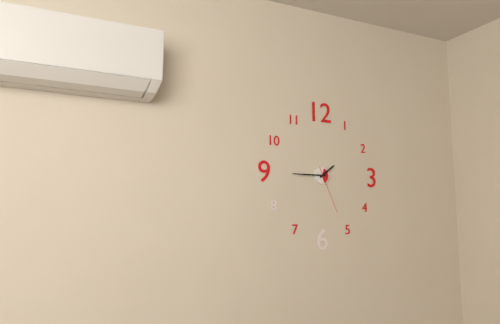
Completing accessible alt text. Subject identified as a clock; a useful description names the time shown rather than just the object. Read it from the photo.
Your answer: 1:45:26
